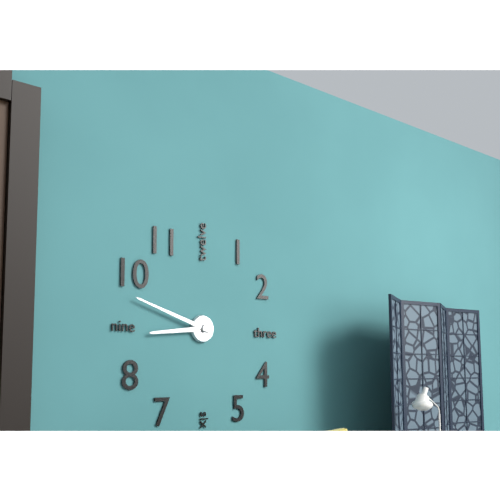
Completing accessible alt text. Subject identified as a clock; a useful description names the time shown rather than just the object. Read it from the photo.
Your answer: 8:48
